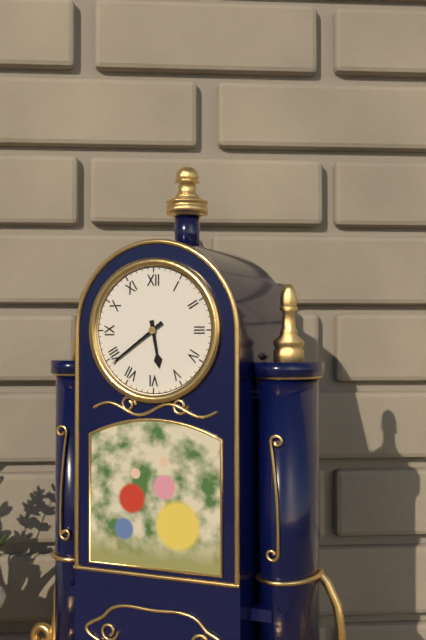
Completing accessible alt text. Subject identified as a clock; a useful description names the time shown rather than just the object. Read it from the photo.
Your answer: 5:39
